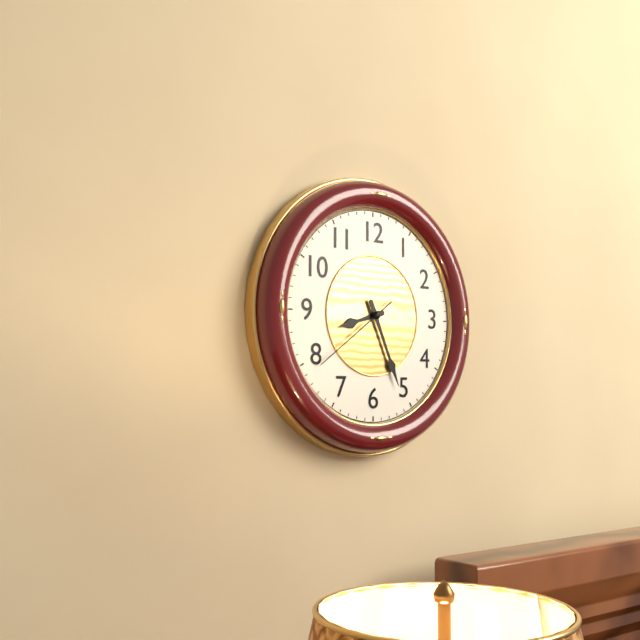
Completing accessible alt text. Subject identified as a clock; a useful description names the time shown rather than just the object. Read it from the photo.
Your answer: 8:26:39
